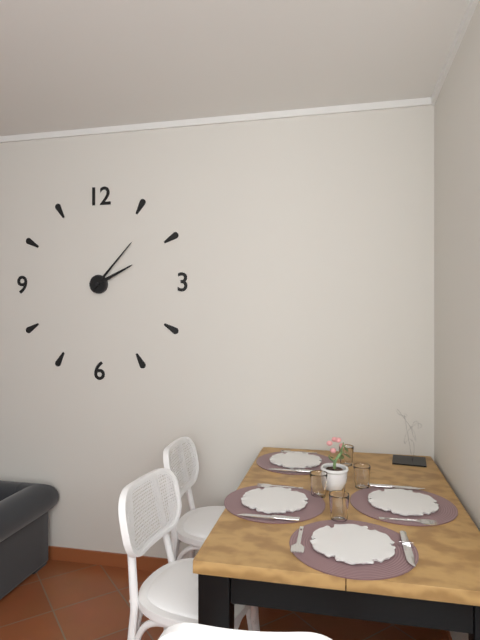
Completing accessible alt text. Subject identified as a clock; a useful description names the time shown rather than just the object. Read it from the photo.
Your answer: 2:07
